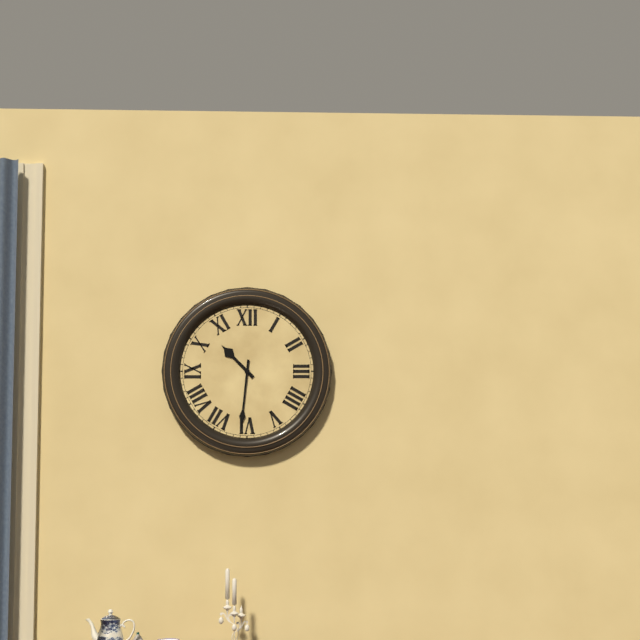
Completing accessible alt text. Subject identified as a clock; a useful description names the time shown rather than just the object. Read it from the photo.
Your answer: 10:31
